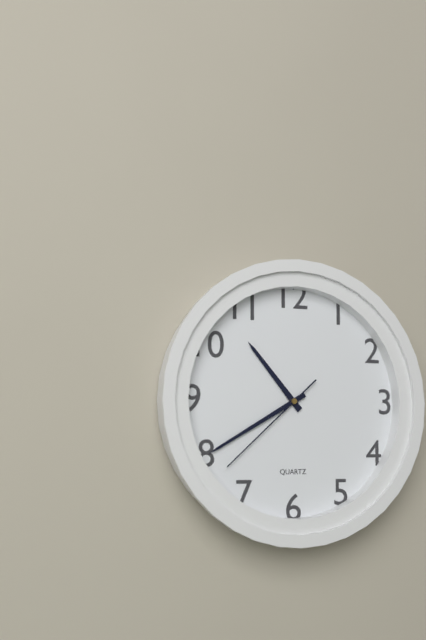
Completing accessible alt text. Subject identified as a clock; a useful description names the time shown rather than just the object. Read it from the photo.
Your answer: 10:40:38
